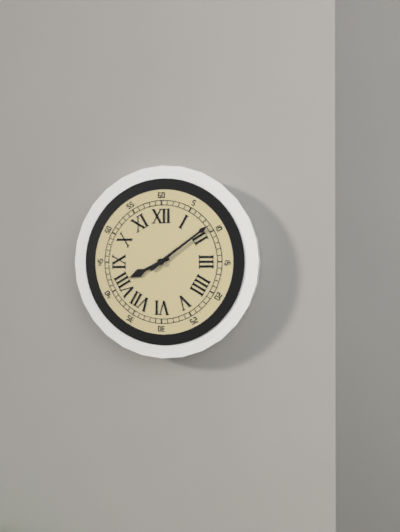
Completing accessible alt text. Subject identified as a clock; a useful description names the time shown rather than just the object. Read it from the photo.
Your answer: 8:09
